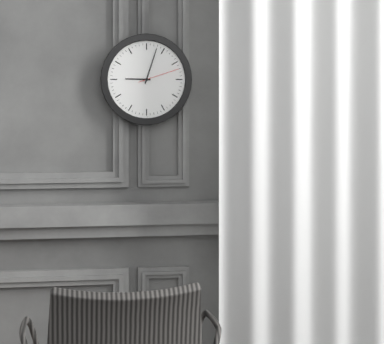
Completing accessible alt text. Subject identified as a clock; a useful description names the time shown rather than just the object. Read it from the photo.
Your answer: 9:03
